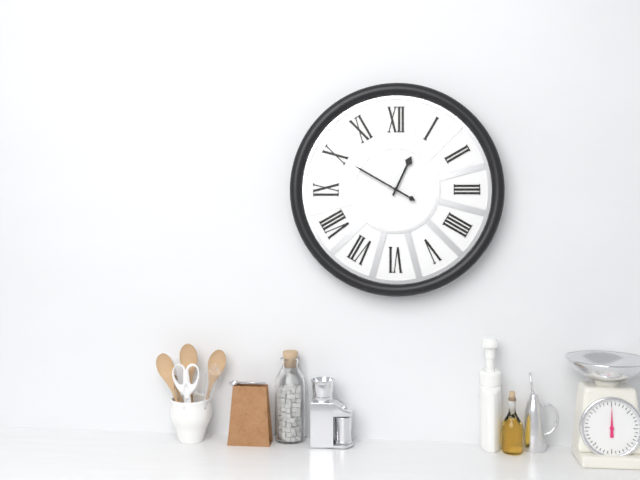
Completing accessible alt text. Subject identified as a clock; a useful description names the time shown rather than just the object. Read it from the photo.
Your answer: 12:50
